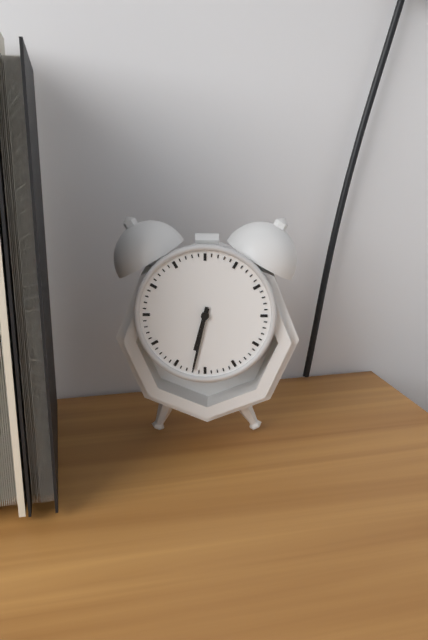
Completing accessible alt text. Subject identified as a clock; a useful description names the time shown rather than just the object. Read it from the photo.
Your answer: 6:32
